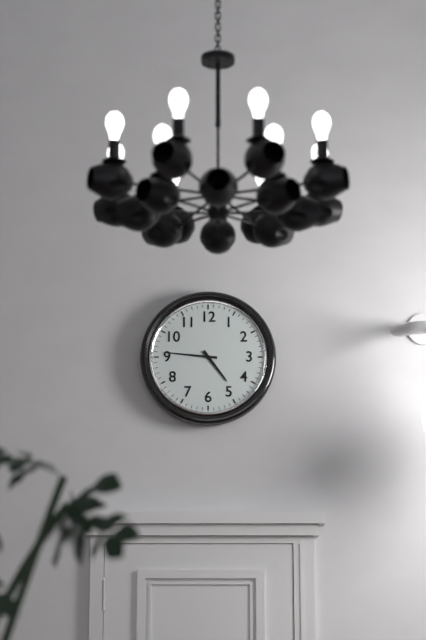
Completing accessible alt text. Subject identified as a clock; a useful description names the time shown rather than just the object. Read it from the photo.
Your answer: 4:46
